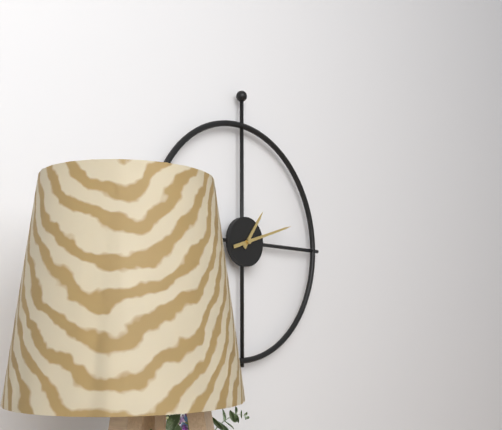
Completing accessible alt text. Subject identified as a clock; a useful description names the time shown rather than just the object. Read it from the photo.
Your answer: 1:12
